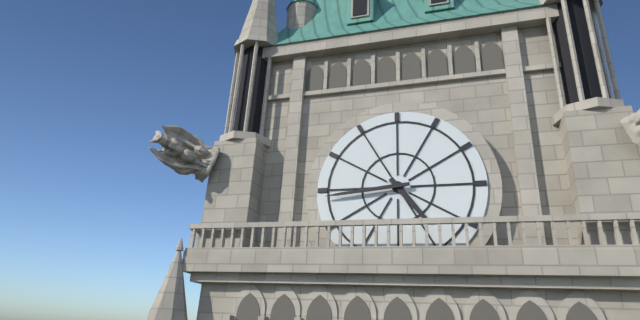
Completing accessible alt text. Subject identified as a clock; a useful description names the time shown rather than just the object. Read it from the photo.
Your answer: 4:44
